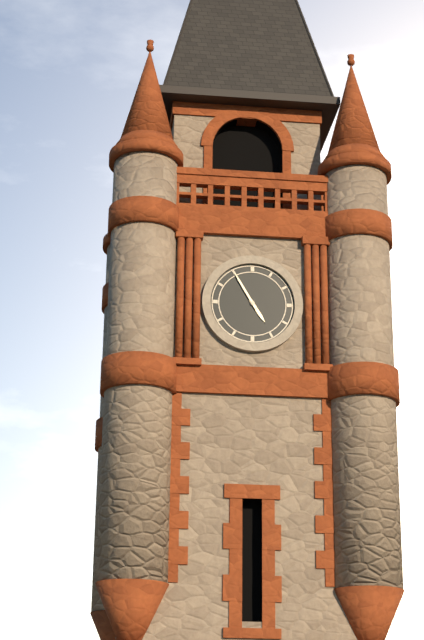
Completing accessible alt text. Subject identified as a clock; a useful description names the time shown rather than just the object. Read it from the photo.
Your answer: 4:55
